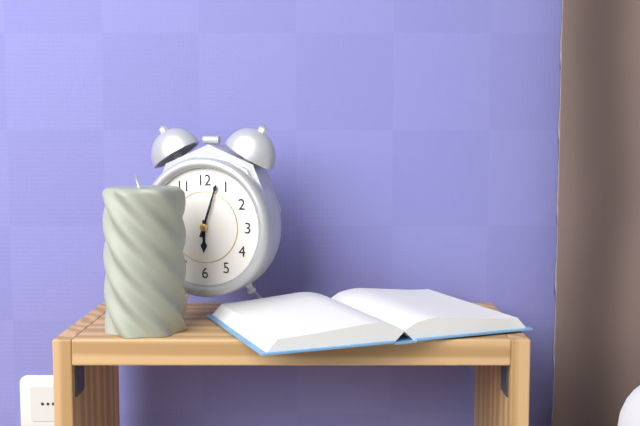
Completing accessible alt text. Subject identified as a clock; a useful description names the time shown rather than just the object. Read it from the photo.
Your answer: 6:03
